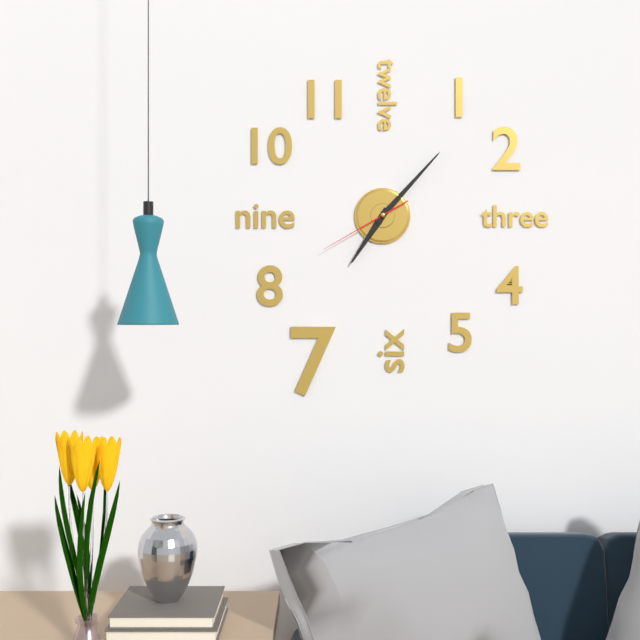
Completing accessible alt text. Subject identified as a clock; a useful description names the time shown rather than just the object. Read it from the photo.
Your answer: 7:07:40
